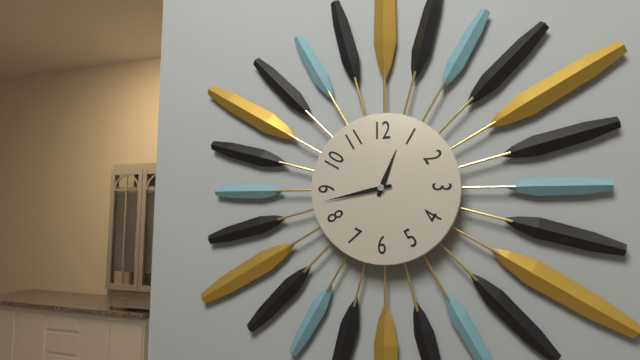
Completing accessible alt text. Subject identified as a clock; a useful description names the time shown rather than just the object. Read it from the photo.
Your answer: 12:43
